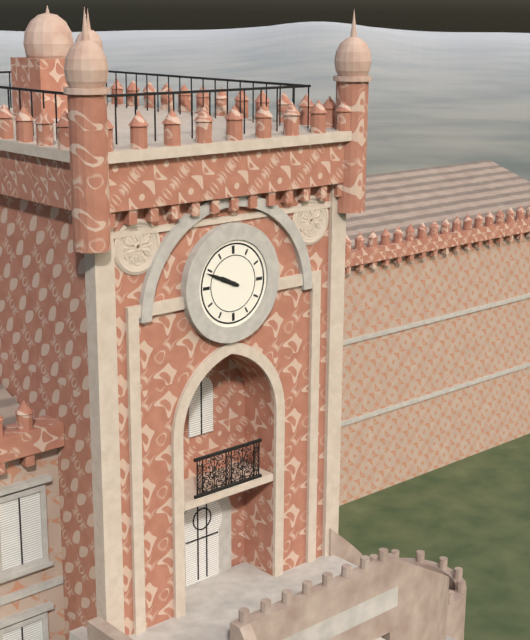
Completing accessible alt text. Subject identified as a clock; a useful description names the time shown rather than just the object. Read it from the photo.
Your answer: 9:49
